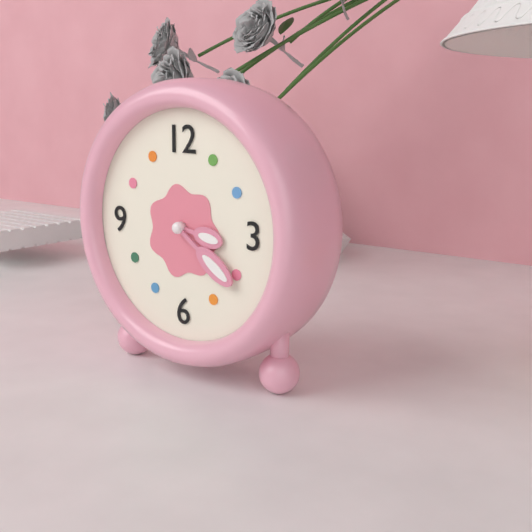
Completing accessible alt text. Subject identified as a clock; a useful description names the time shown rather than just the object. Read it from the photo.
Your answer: 3:21
